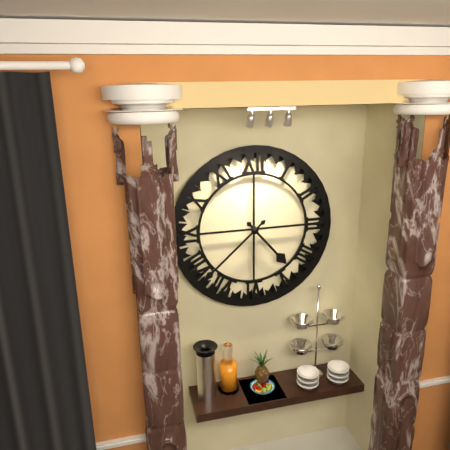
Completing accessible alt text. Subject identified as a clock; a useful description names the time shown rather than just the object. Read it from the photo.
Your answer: 4:38
